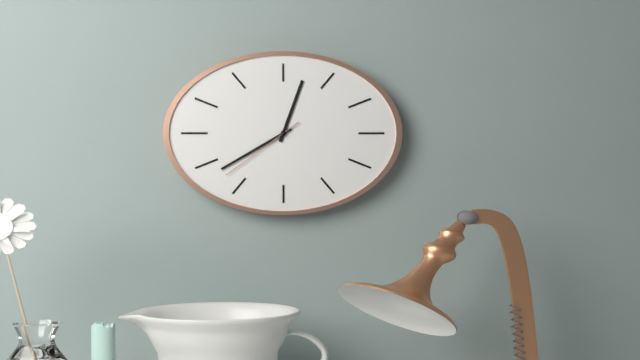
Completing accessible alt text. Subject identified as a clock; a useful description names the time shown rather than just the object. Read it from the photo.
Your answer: 12:40:39
